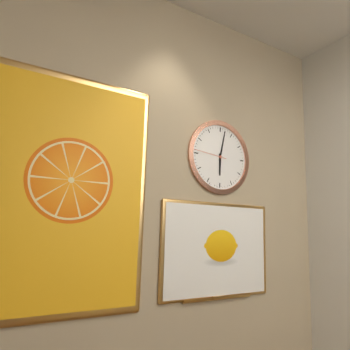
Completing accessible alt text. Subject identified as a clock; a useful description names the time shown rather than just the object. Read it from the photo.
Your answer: 6:02
